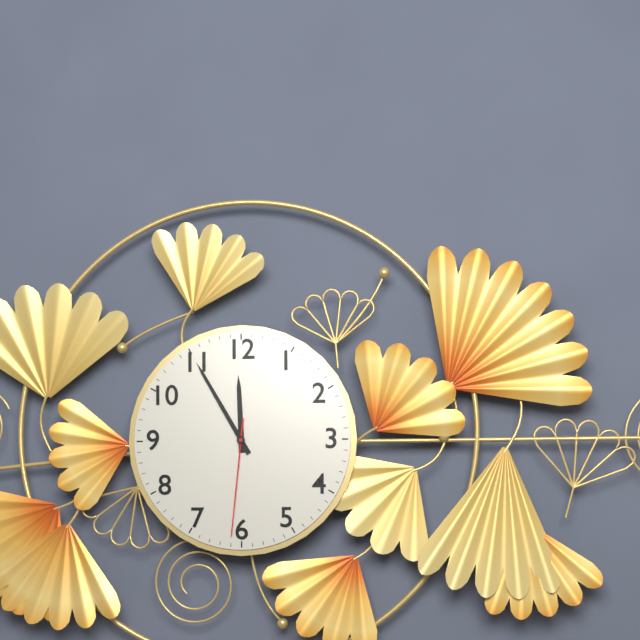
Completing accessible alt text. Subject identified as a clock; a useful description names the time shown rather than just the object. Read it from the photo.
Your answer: 11:55:31
